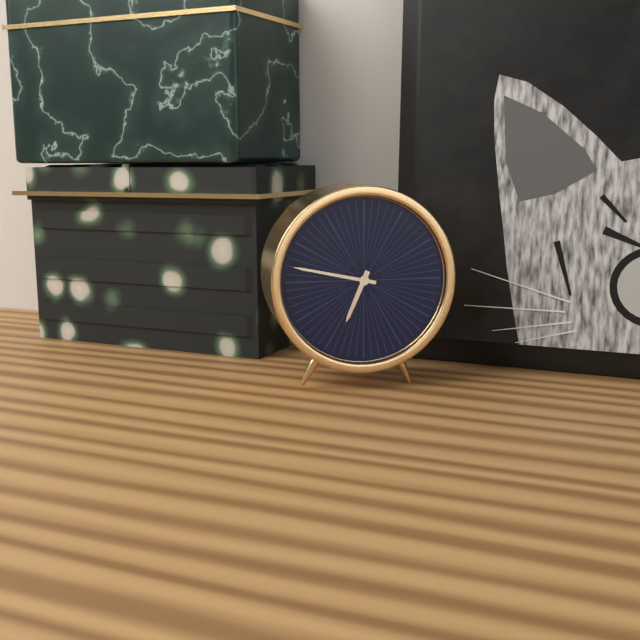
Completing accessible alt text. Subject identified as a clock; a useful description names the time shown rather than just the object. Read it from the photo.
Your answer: 6:47
